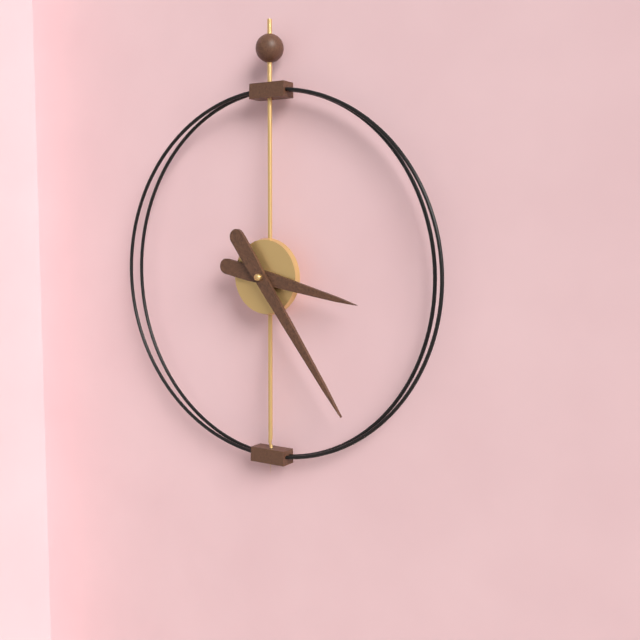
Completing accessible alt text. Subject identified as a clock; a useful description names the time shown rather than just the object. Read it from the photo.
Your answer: 3:24
